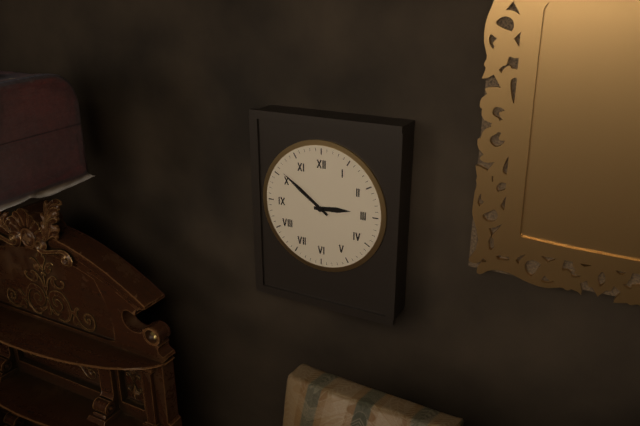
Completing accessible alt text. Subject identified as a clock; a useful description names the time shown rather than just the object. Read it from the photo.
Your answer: 2:51
